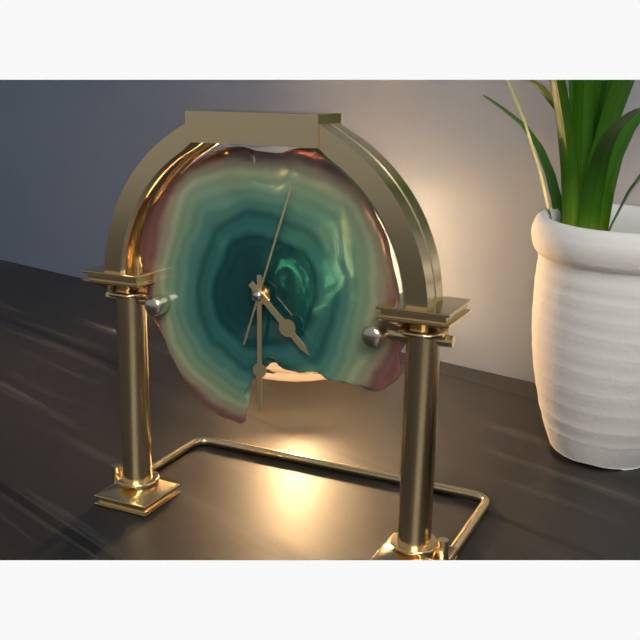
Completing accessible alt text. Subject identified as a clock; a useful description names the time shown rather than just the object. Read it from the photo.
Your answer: 4:30:03
